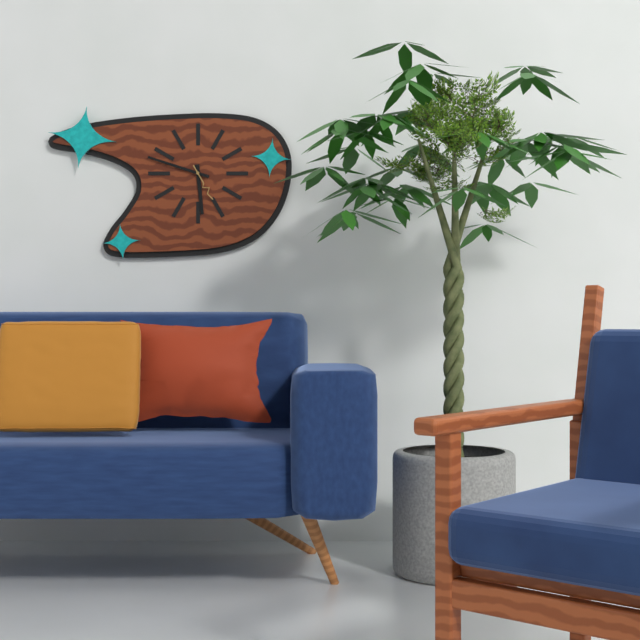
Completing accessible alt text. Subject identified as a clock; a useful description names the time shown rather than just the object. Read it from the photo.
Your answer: 5:48
